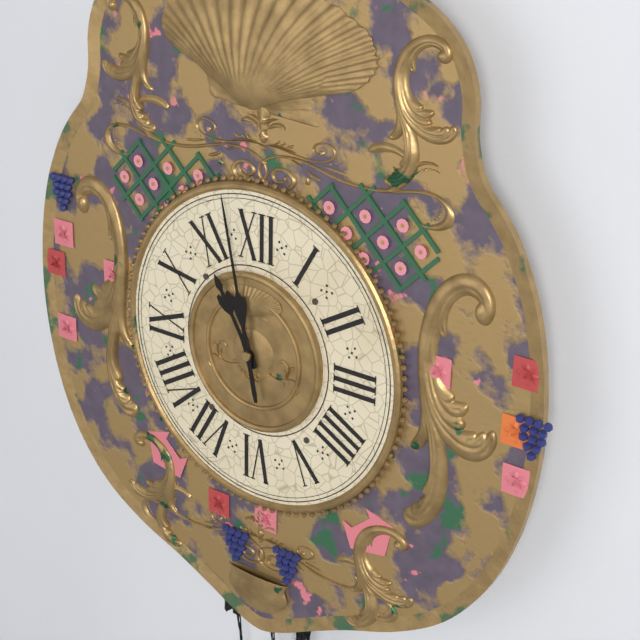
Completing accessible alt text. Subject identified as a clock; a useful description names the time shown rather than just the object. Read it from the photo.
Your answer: 10:58
